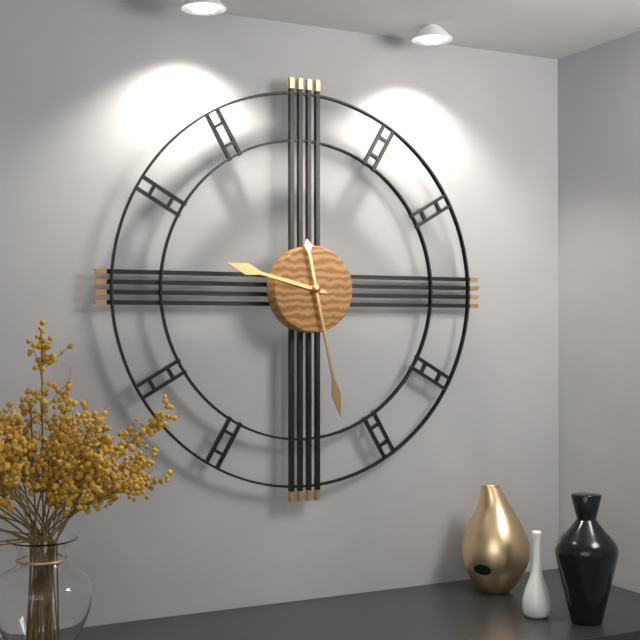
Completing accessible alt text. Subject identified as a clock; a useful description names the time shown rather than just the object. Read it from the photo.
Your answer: 9:28
